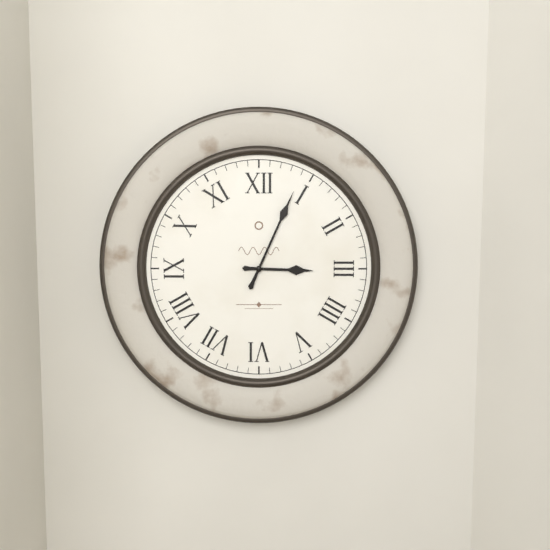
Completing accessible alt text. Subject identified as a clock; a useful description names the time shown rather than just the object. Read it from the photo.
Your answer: 3:04
